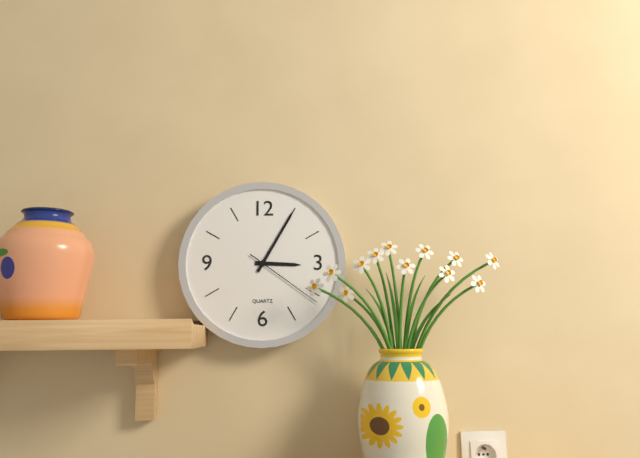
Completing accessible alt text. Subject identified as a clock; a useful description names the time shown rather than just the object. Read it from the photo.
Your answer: 3:05:21
